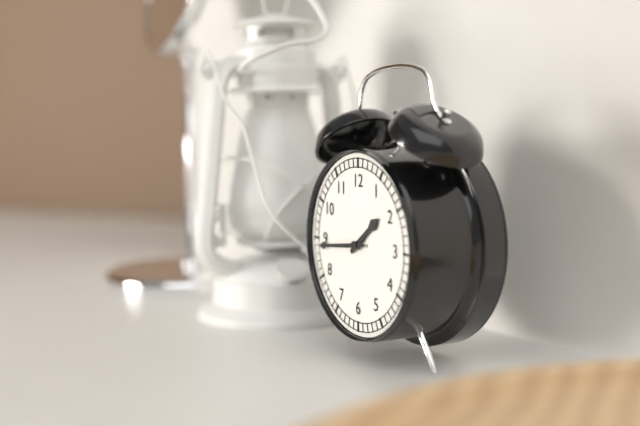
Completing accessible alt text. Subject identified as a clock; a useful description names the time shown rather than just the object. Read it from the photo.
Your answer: 1:44
